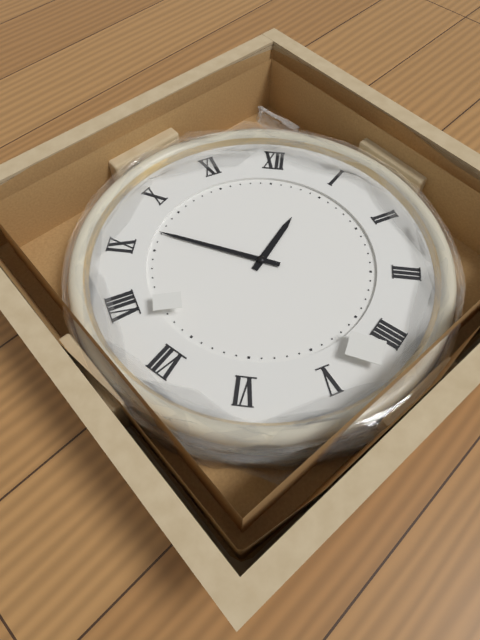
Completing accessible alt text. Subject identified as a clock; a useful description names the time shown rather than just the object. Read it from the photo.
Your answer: 12:47
